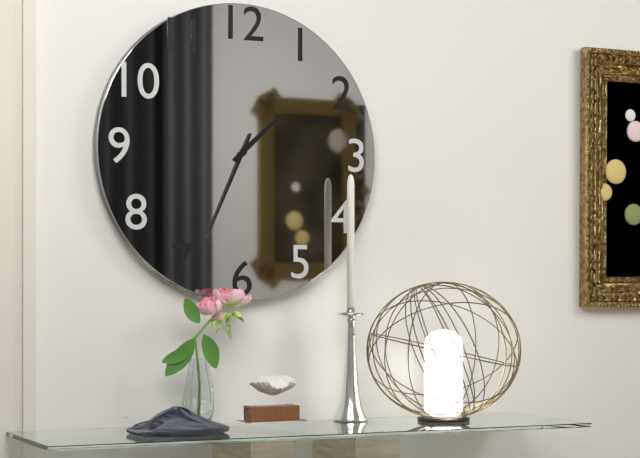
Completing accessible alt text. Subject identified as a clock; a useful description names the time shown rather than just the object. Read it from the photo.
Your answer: 1:34
